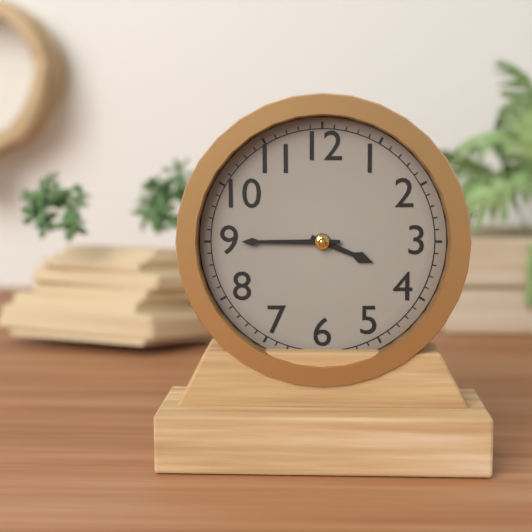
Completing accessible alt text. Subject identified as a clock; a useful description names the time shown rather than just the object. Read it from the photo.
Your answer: 3:45
